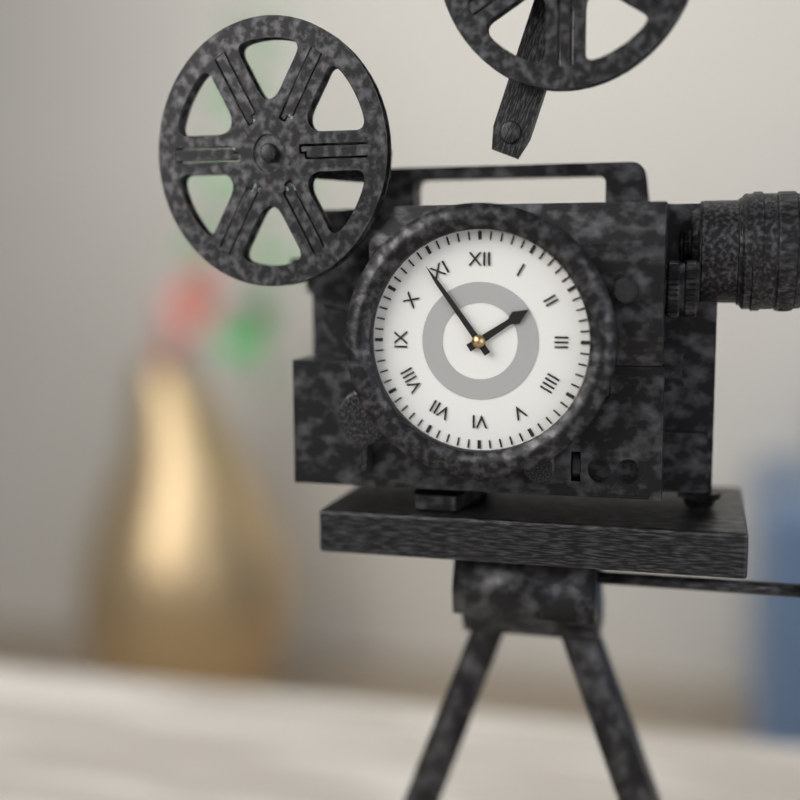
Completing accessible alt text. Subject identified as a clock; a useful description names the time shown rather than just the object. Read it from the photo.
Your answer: 1:54
